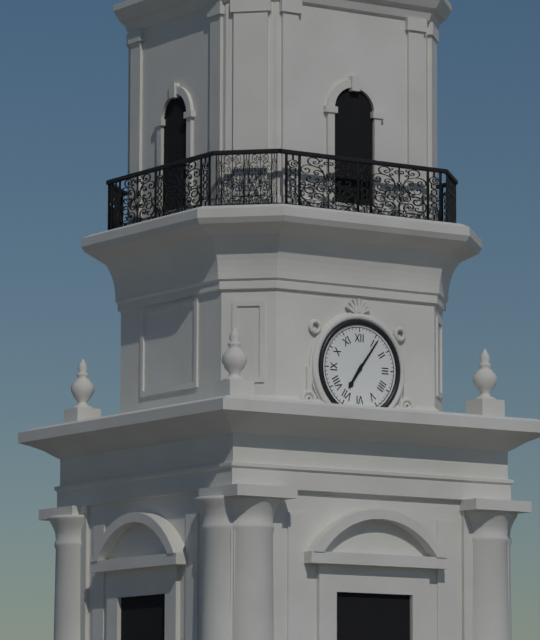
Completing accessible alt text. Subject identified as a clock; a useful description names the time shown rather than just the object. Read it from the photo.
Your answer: 7:06
